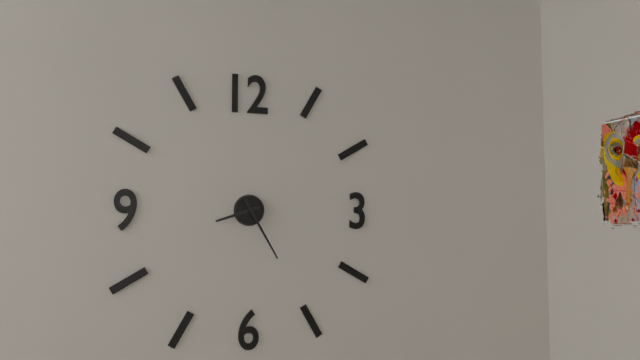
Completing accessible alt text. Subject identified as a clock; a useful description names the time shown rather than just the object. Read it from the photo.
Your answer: 8:25
